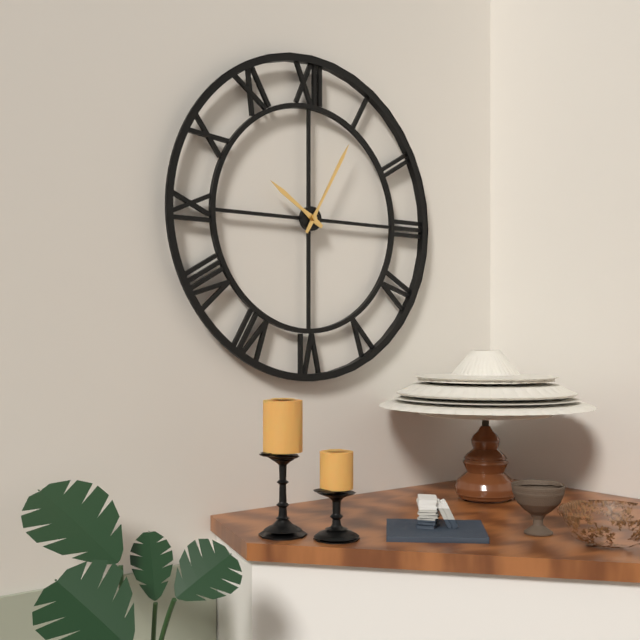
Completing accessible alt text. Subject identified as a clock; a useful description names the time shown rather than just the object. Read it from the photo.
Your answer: 10:05
